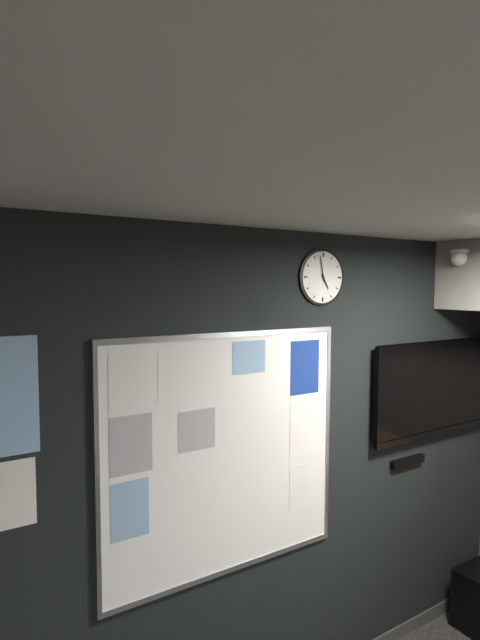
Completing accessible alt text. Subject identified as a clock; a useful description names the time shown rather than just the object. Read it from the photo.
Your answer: 4:58
